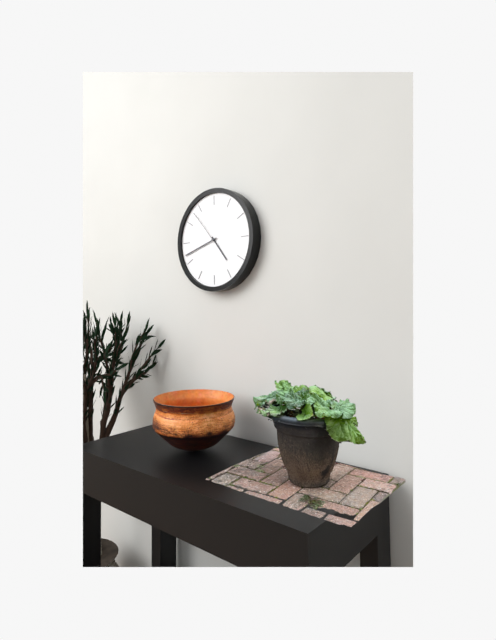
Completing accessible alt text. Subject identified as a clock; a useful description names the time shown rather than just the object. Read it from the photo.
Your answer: 4:42
